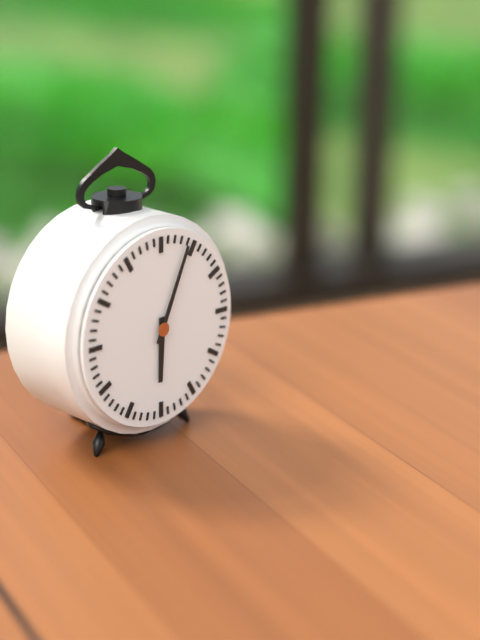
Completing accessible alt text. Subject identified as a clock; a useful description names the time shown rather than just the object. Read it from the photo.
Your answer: 6:04
